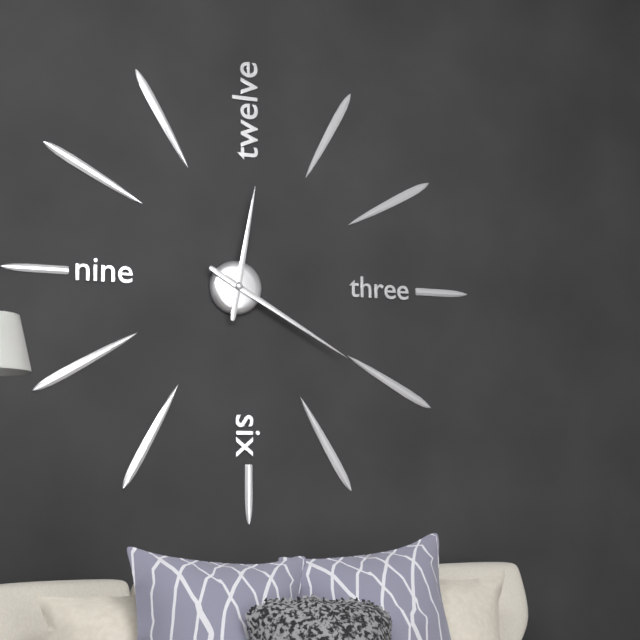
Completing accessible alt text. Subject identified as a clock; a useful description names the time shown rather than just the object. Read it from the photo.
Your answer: 12:20
